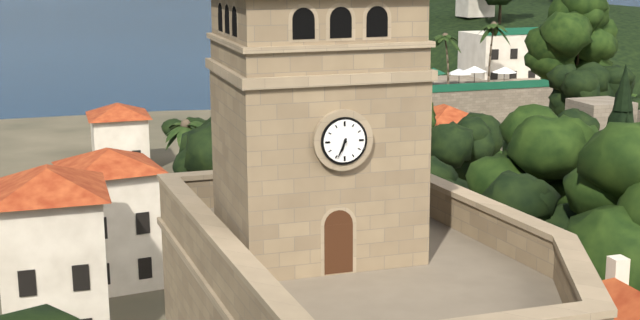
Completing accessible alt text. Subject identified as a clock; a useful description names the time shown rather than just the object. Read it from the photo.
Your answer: 6:34
